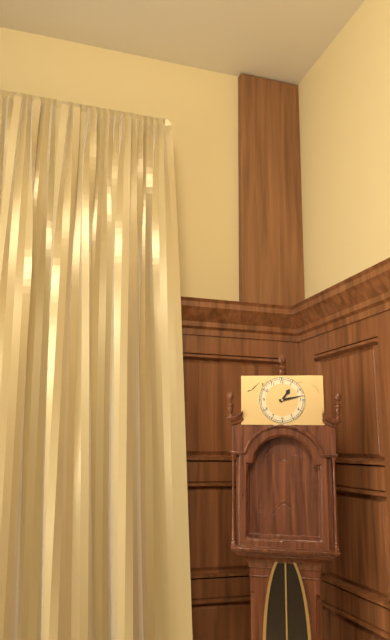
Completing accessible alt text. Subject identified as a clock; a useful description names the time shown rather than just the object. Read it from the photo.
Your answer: 1:13
